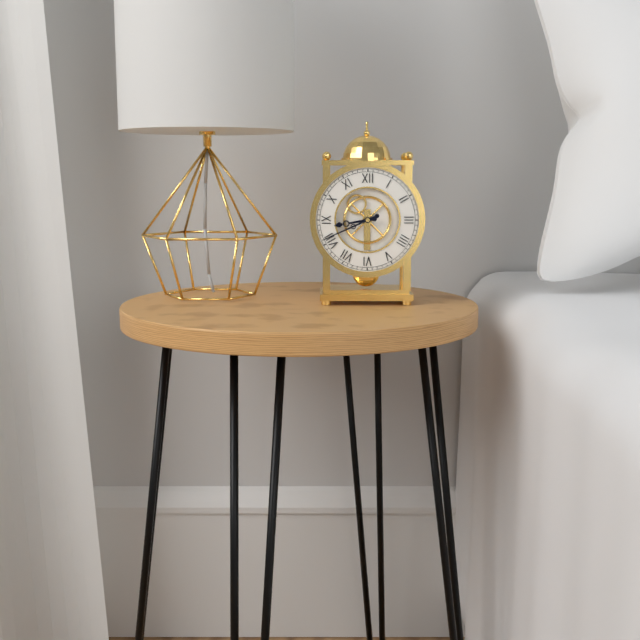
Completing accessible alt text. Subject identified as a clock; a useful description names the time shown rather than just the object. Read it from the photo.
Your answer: 8:41
